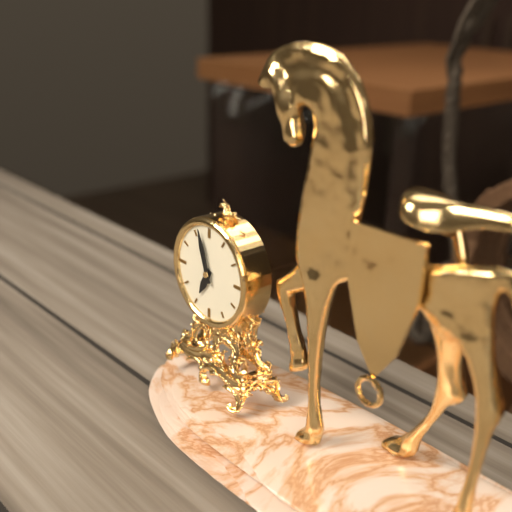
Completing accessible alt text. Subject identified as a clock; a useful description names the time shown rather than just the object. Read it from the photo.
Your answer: 6:57
